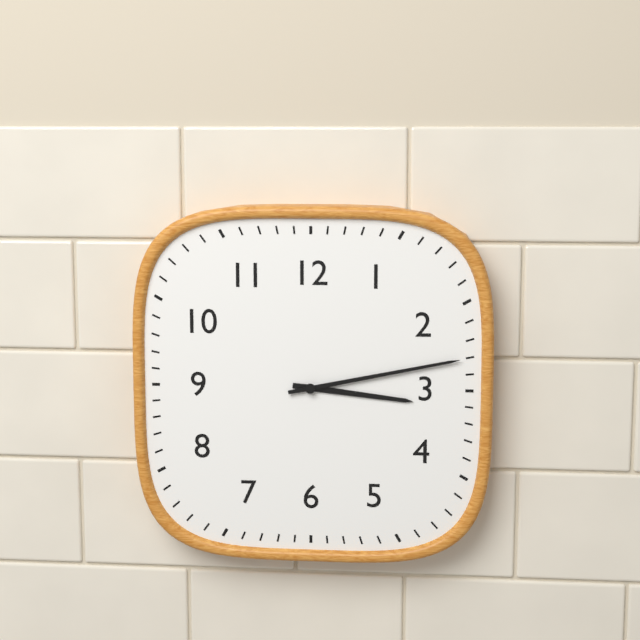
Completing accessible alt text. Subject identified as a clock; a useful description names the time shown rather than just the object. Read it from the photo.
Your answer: 3:13
